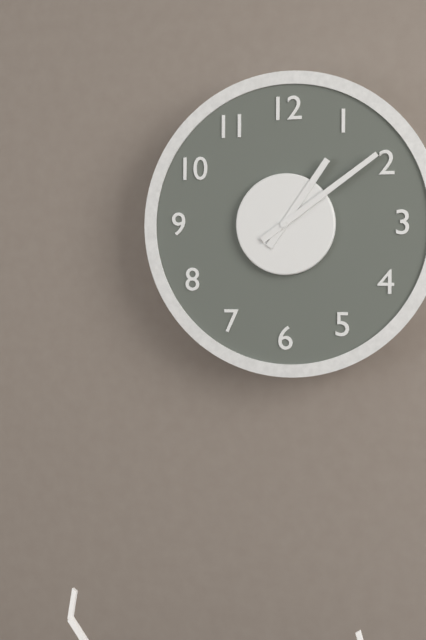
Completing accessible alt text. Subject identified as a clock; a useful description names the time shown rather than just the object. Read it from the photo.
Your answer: 1:09
